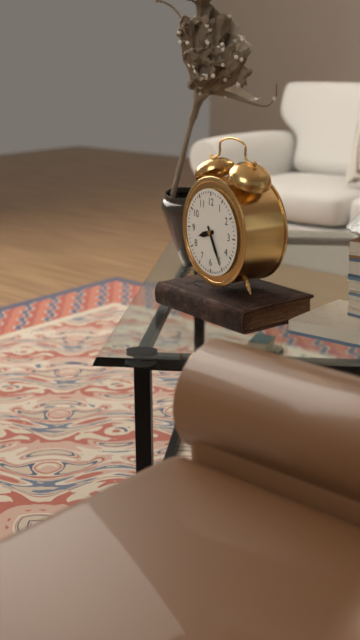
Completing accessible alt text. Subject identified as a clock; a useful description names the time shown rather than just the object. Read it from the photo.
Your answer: 8:25
